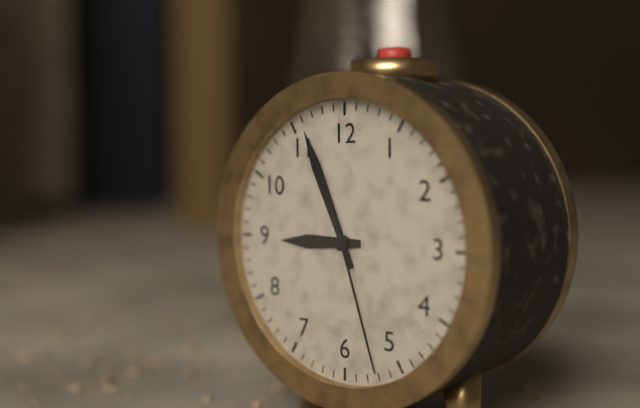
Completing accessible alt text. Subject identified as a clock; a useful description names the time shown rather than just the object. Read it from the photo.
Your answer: 8:56:27
